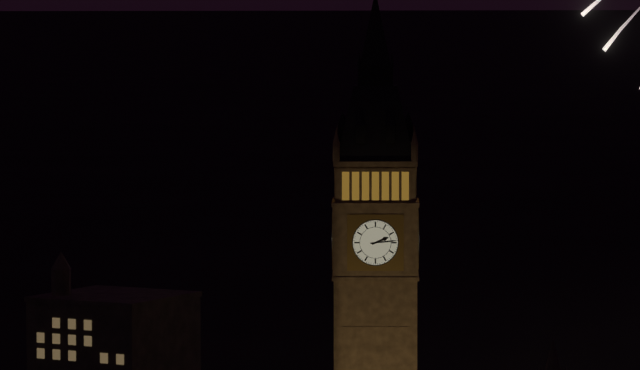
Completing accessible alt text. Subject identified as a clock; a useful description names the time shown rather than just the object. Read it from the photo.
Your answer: 2:14
